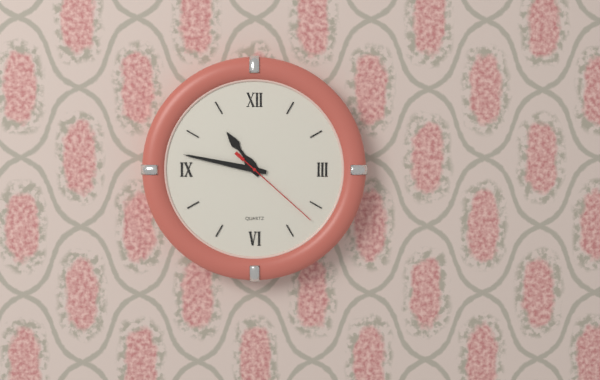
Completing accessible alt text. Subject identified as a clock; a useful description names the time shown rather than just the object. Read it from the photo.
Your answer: 10:47:22
